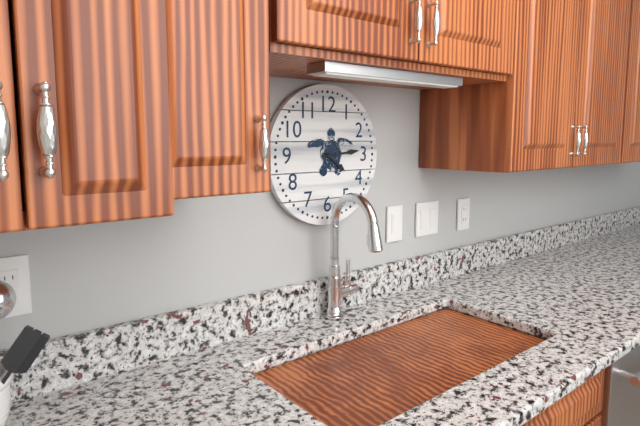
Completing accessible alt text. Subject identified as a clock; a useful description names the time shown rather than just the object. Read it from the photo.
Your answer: 4:14
